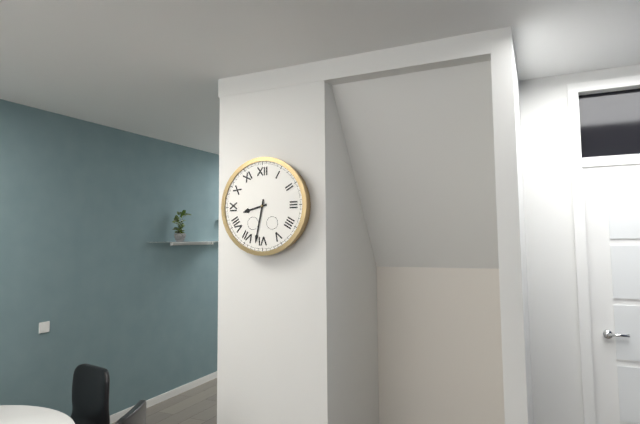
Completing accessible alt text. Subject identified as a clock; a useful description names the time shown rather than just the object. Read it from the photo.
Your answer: 8:32
